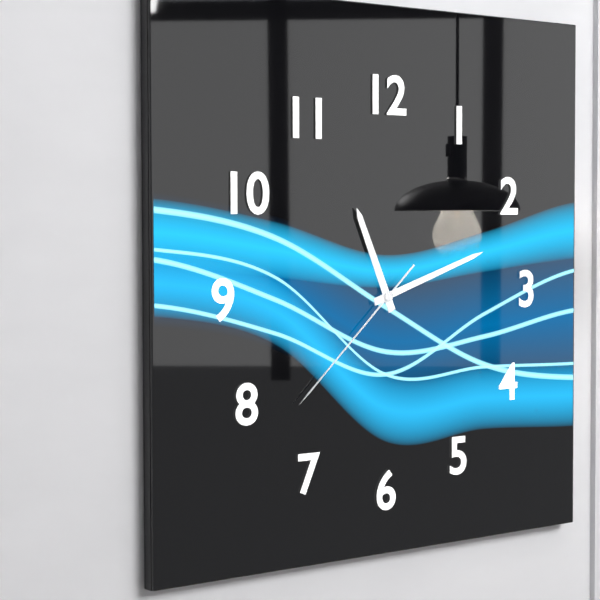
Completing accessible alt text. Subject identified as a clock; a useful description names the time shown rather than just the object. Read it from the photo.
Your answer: 11:12:38
